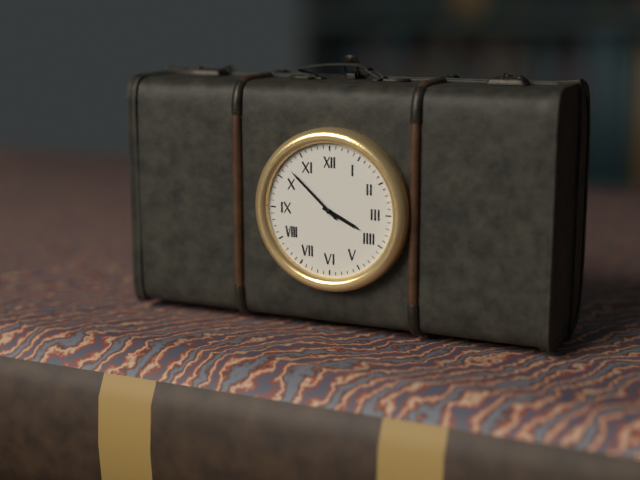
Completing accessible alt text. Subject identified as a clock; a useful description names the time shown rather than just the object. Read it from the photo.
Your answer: 3:52
